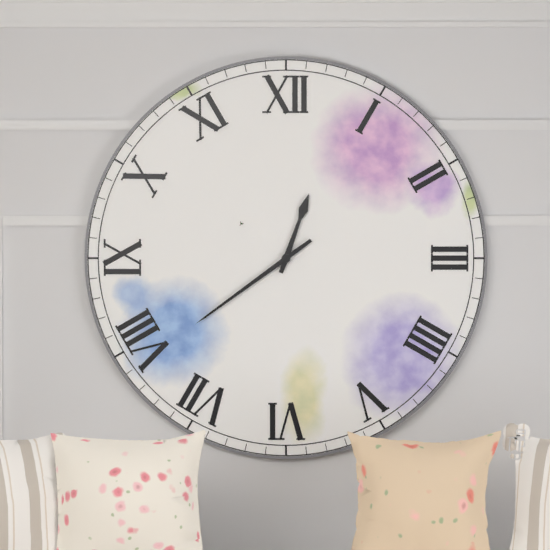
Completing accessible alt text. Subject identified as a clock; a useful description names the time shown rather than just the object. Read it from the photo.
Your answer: 12:39
